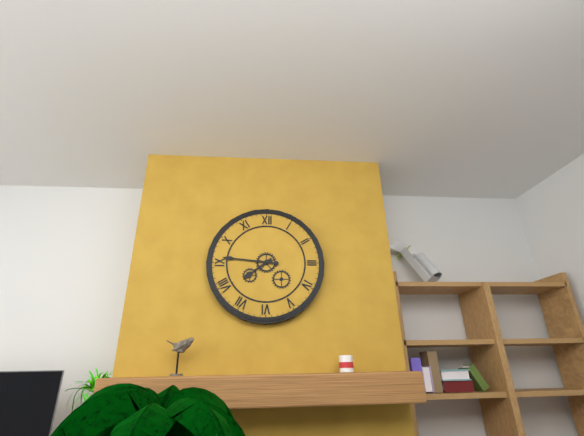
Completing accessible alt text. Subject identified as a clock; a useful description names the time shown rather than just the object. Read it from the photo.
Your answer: 7:46
